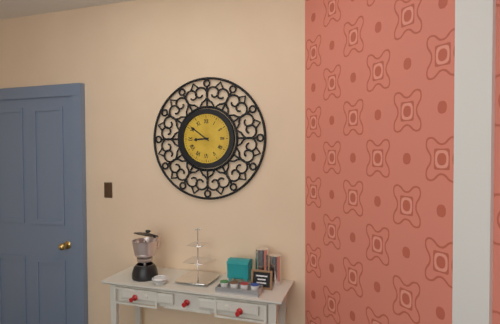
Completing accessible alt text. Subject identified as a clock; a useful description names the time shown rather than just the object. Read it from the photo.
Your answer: 8:51
